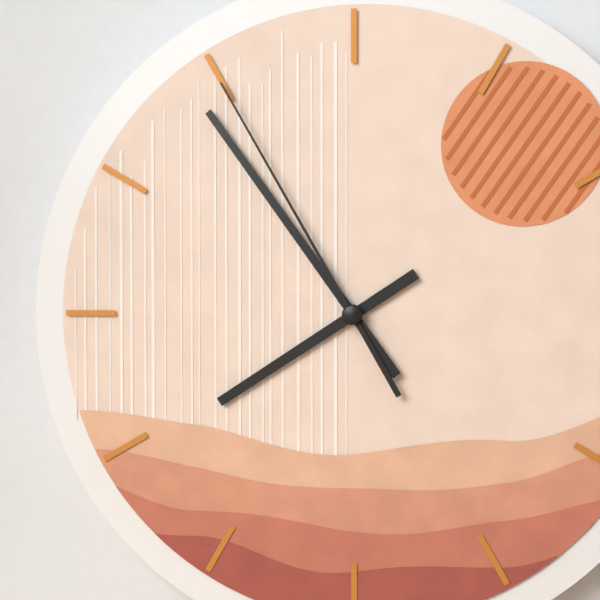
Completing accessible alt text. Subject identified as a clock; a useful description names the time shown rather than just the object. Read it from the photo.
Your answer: 7:54:55
